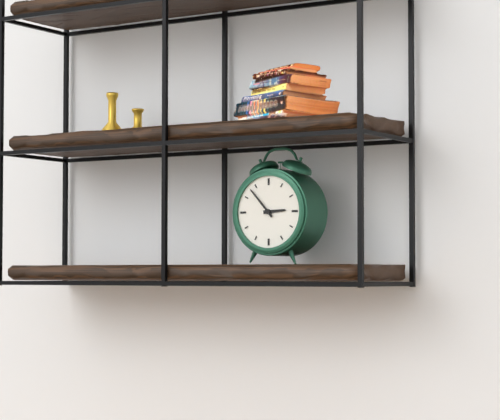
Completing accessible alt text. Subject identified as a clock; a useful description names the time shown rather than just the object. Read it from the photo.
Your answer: 2:53
